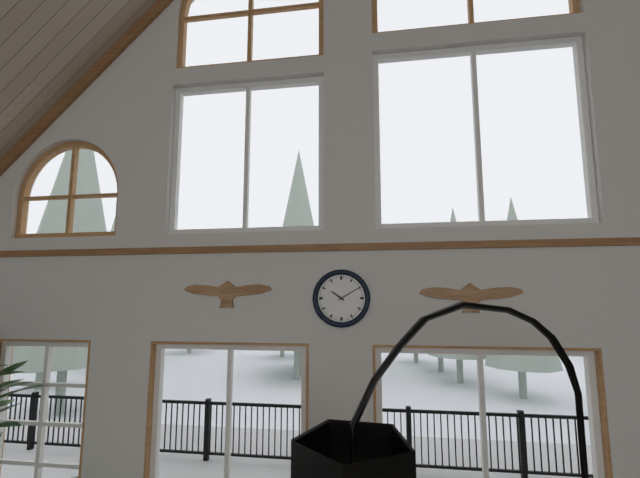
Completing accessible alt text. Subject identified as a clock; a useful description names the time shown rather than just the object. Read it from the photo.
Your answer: 10:10
